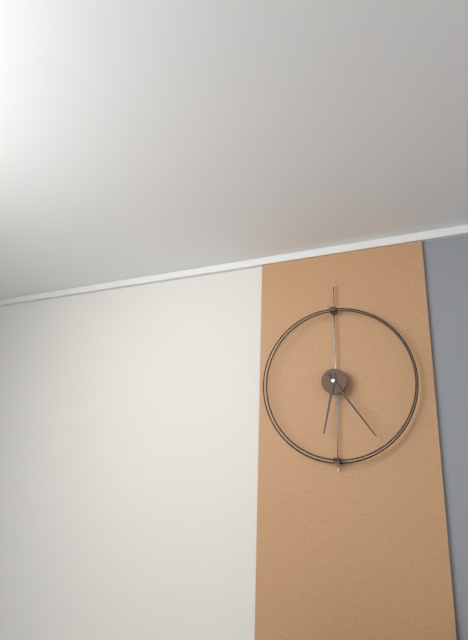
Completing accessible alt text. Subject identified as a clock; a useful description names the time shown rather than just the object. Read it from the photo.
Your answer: 6:24
